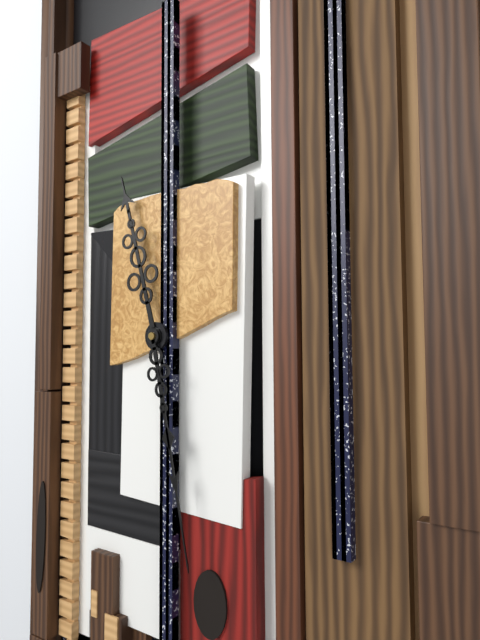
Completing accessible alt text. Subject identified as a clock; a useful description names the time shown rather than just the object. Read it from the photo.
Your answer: 11:28
